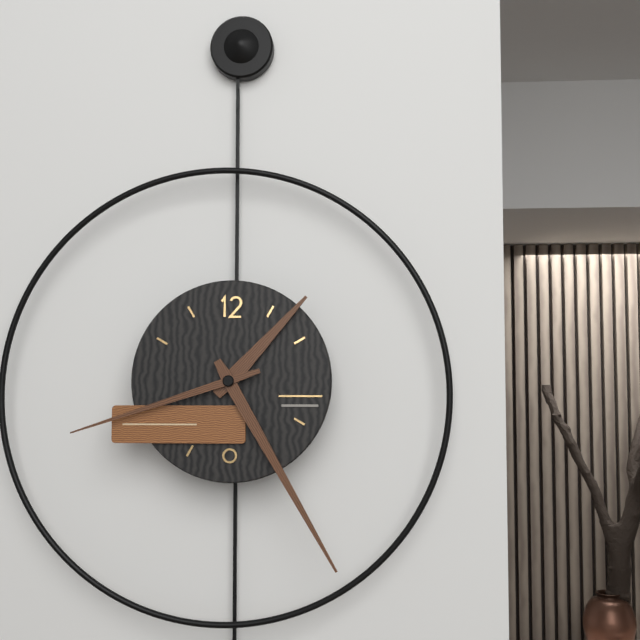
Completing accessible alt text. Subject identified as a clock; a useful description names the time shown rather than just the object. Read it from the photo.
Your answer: 1:25:42
